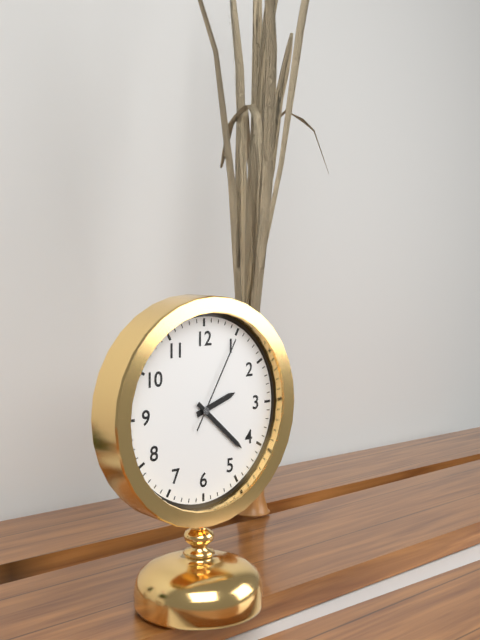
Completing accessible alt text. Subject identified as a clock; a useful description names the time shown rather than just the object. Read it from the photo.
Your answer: 2:22:05
